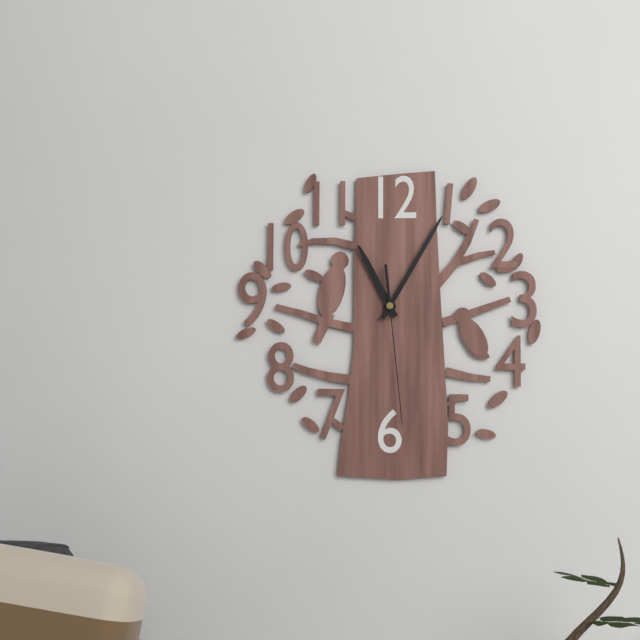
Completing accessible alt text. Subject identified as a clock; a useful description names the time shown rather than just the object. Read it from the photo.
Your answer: 11:05:29
